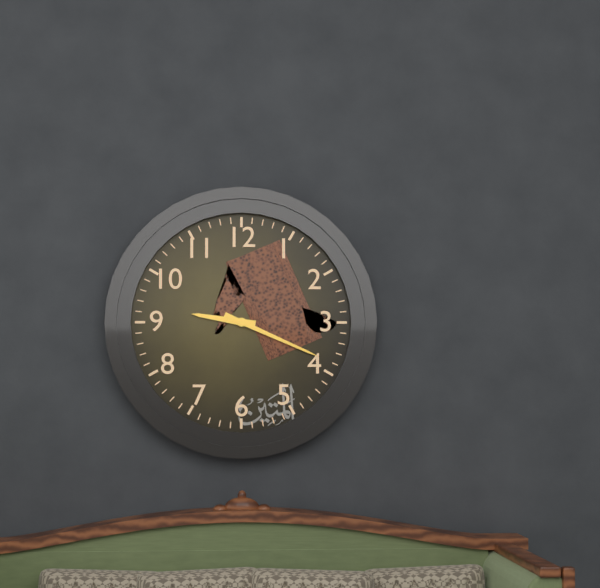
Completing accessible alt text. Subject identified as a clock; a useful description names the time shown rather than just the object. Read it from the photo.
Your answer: 9:19
